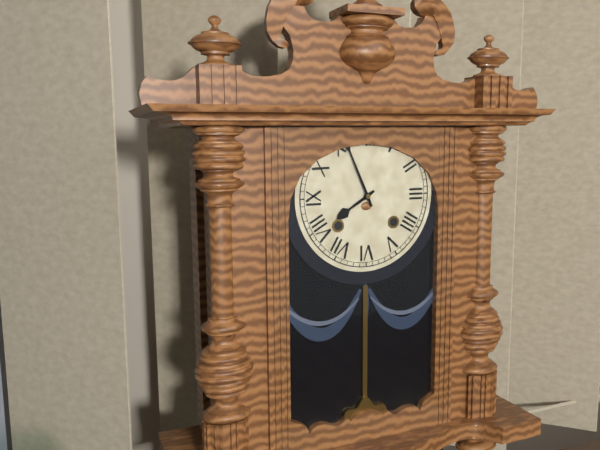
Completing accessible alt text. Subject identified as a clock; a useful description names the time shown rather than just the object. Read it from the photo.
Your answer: 7:56
